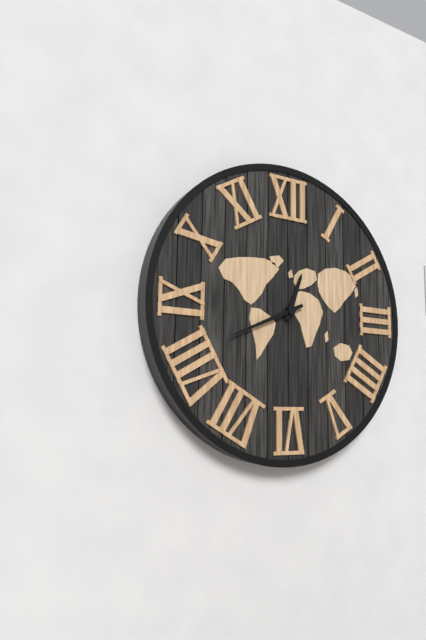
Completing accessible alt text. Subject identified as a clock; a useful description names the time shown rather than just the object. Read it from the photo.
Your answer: 12:41
